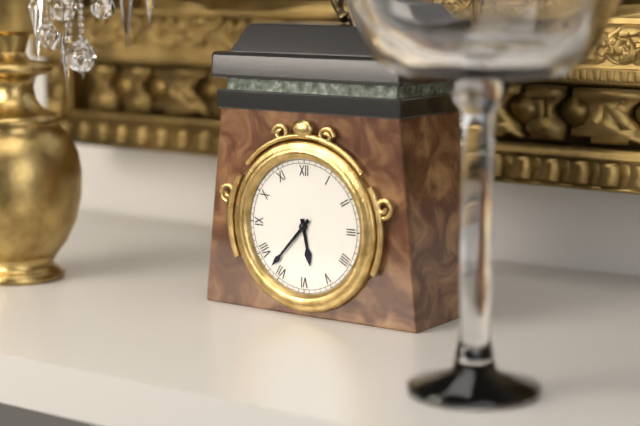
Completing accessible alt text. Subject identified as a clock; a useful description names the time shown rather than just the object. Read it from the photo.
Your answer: 5:37
